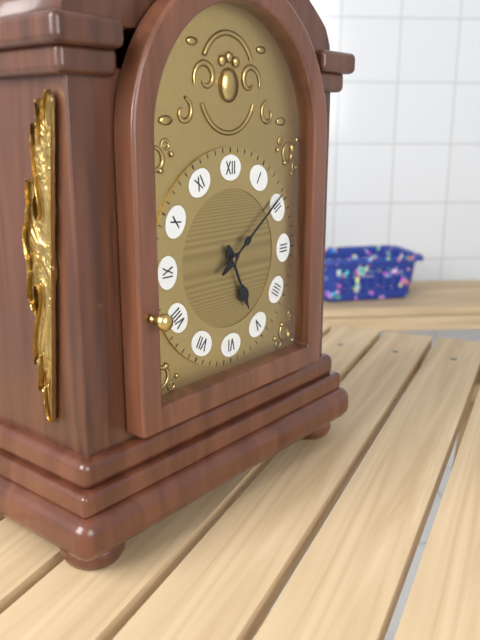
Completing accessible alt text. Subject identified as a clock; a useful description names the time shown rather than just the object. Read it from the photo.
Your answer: 5:09
